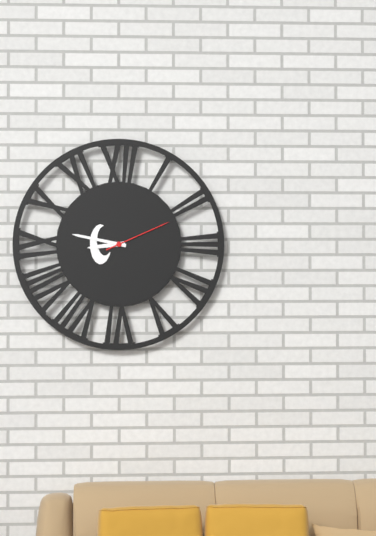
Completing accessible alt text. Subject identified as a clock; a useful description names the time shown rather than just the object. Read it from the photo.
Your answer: 8:47:11
